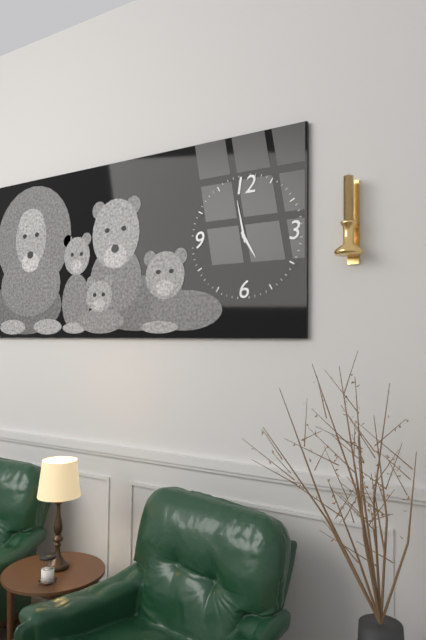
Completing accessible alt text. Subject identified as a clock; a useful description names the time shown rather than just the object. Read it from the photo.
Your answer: 4:58
